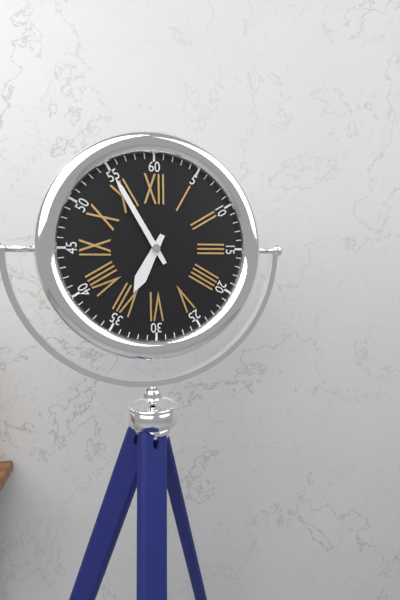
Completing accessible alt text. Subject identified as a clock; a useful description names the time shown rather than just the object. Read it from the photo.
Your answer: 6:55
